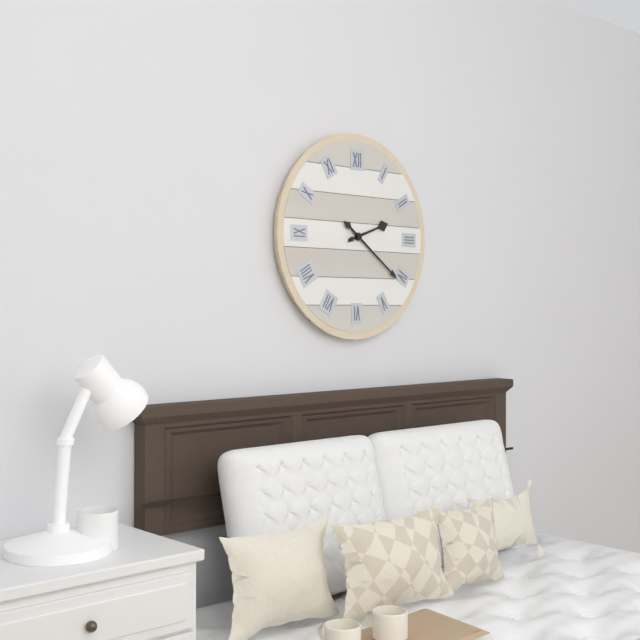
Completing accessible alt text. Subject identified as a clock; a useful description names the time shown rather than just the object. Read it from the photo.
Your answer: 2:21
